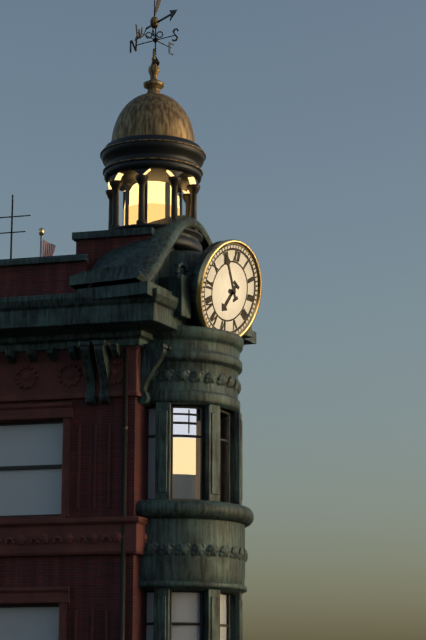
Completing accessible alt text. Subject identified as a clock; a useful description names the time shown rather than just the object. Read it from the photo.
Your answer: 6:54
